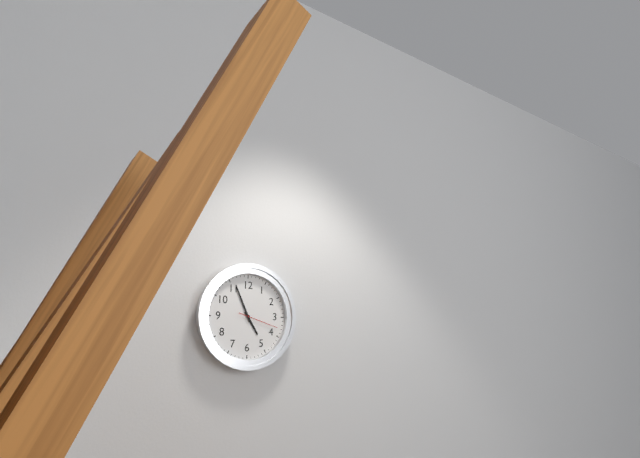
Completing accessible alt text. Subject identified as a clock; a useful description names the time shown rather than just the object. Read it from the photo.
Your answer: 4:56
